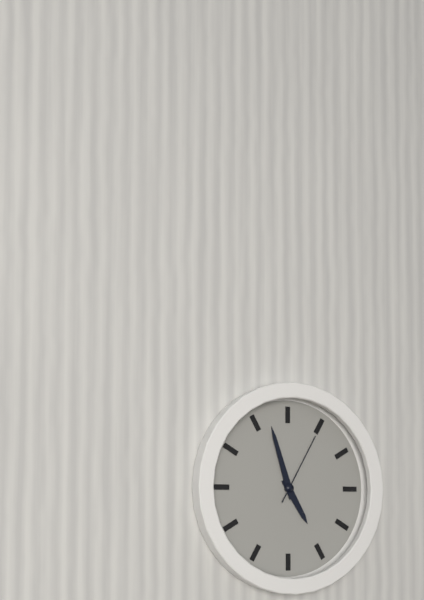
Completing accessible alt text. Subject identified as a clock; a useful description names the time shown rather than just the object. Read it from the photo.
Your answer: 4:57:05
